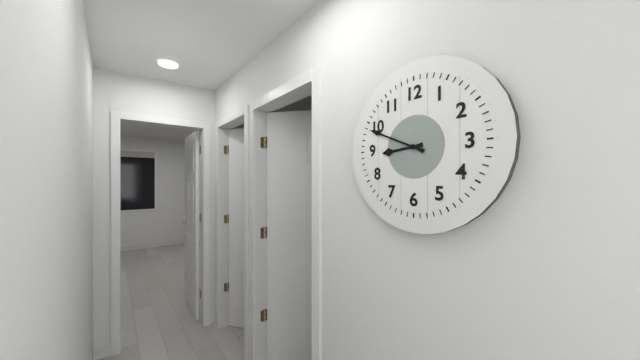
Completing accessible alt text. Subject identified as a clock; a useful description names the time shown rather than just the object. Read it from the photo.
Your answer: 8:49
